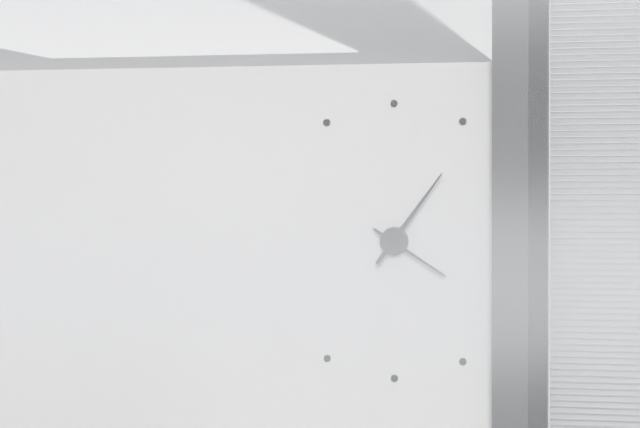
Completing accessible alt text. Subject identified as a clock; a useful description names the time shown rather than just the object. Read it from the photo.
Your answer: 4:06
